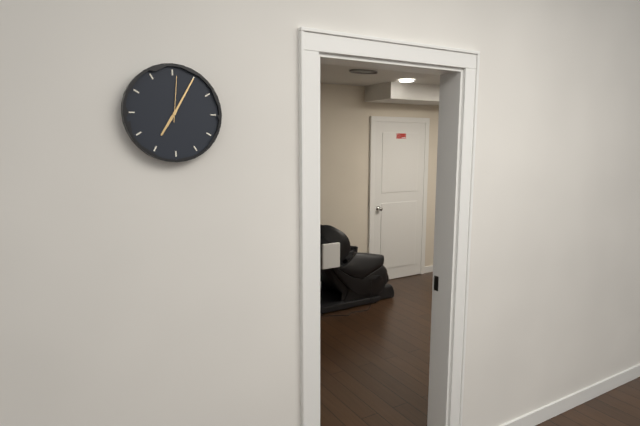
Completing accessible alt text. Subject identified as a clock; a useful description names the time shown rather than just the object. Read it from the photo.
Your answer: 7:05
